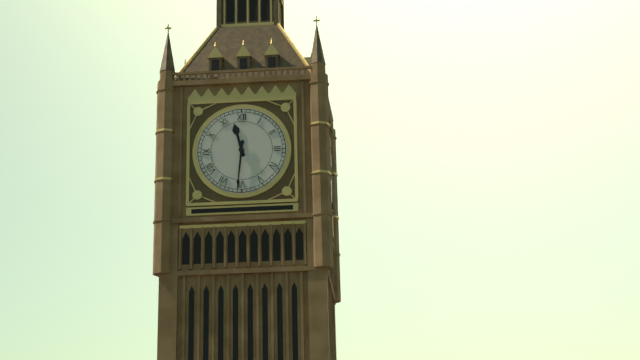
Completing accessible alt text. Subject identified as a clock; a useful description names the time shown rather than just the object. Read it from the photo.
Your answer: 11:31
